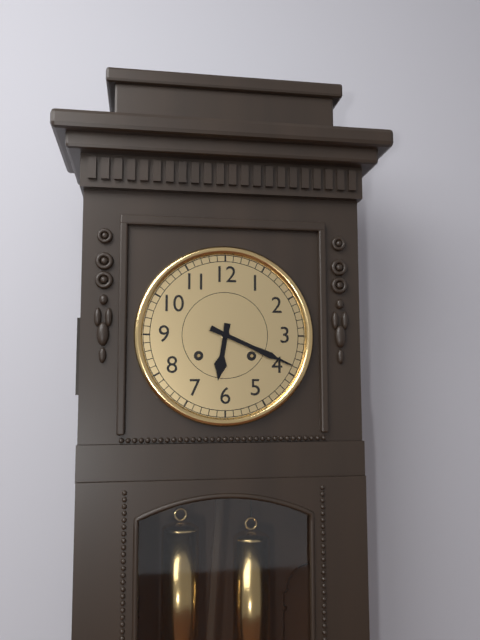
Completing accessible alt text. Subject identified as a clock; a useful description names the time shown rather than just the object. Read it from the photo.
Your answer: 6:19
